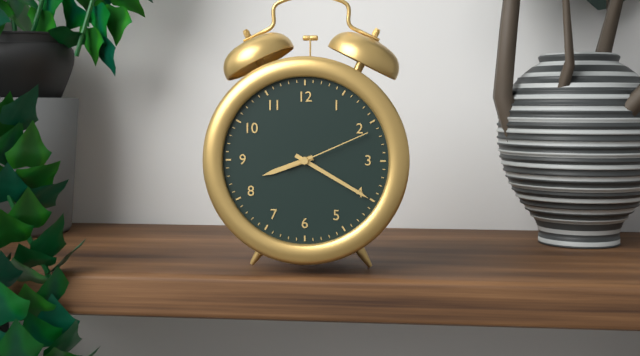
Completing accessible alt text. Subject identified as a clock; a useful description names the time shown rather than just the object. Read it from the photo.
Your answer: 8:20:11
